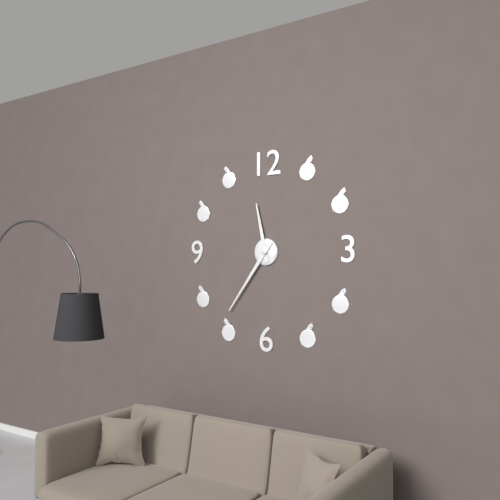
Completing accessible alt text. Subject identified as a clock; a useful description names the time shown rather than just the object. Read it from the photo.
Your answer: 11:36
